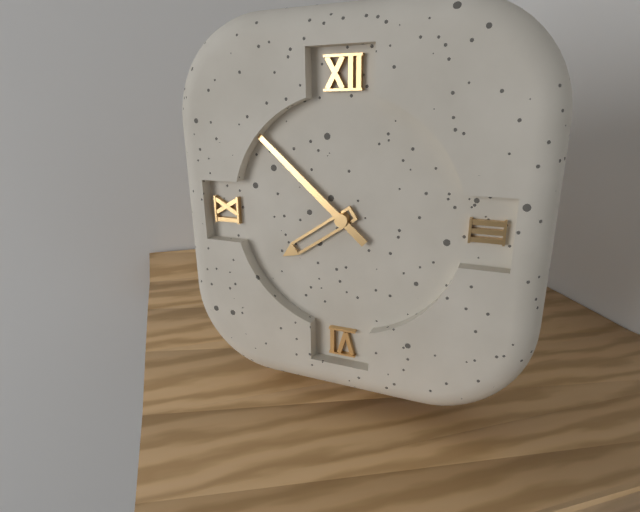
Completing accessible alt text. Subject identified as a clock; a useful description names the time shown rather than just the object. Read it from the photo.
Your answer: 7:52
